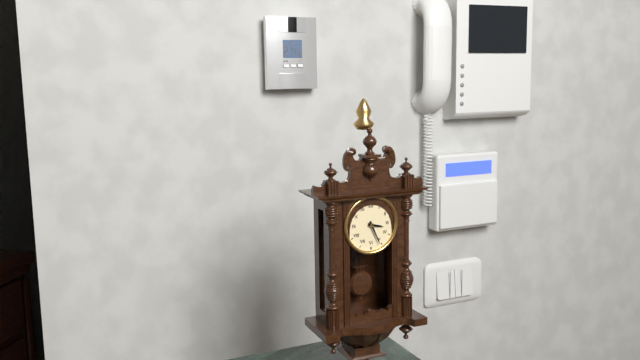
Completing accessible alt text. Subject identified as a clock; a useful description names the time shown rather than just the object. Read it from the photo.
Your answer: 3:26
